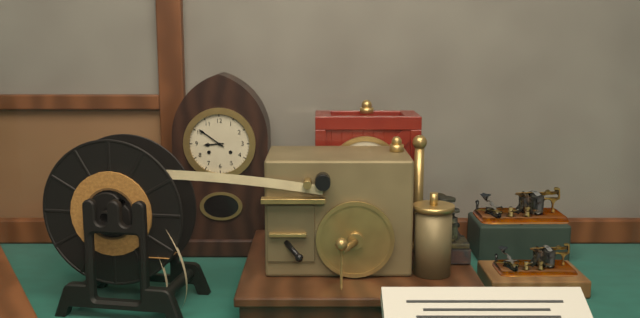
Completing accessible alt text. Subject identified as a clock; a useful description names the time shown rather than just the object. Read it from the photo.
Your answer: 8:51
